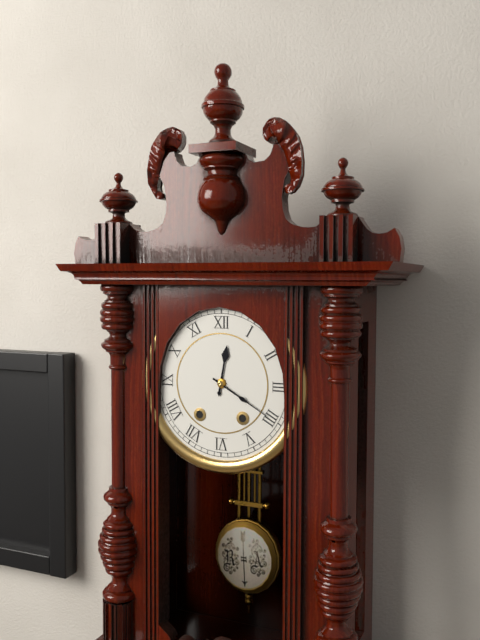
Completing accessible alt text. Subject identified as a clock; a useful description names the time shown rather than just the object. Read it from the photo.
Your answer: 12:20
